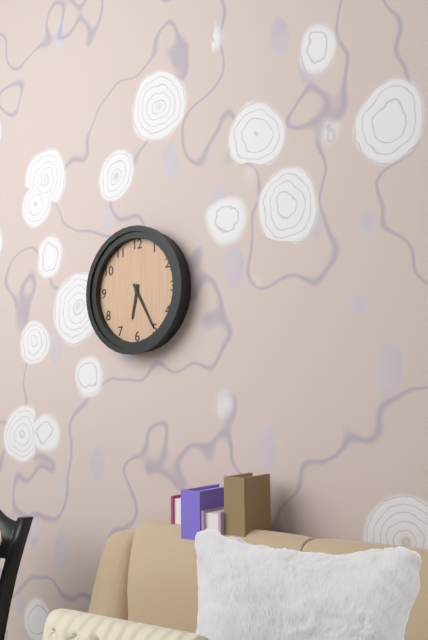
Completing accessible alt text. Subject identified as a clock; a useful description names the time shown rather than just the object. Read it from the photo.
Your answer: 6:25
